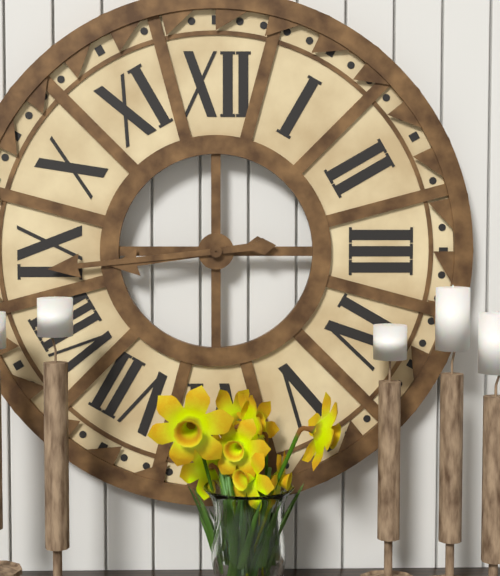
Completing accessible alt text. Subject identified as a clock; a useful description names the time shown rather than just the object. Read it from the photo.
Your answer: 8:44
